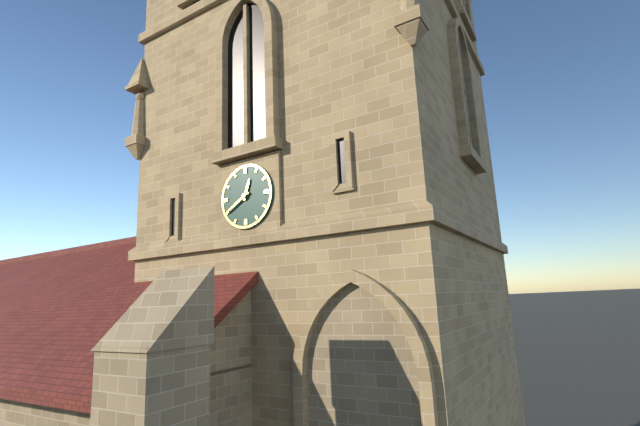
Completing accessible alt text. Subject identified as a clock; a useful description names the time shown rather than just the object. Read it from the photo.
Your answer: 12:40
